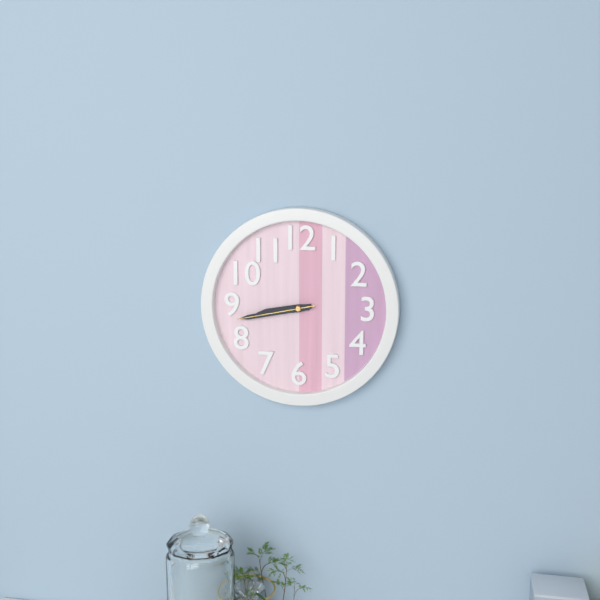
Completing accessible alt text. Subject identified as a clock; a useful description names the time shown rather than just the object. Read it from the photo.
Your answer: 8:43:43
